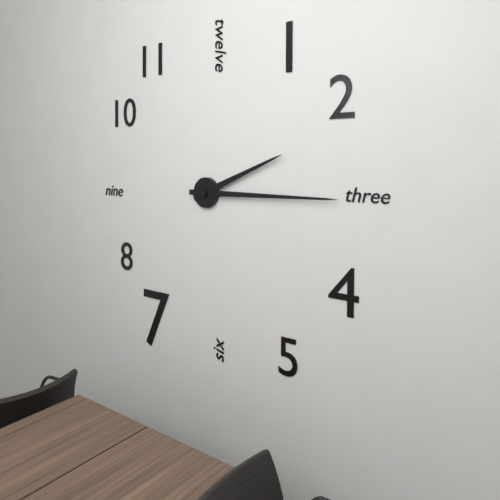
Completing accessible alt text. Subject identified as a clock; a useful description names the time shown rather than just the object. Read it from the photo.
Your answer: 2:15
